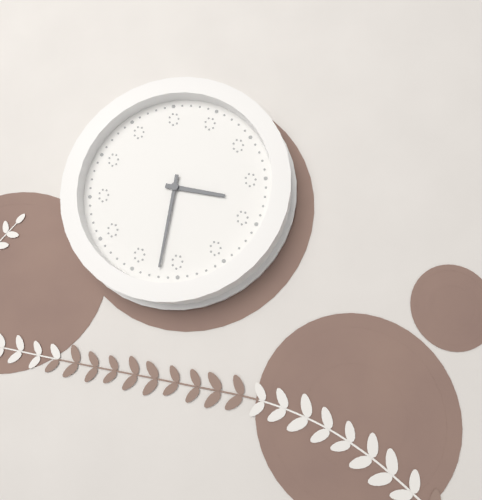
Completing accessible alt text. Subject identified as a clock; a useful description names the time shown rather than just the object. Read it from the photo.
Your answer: 3:32
